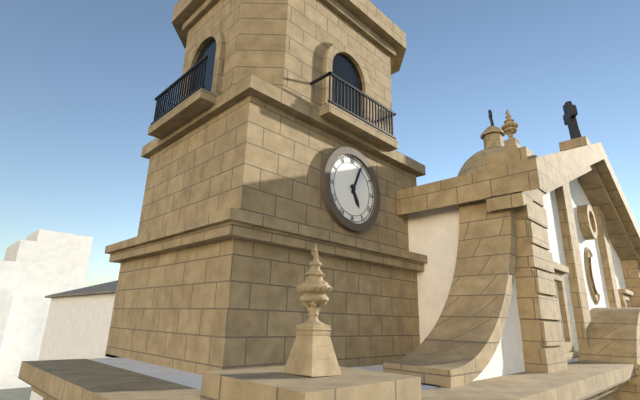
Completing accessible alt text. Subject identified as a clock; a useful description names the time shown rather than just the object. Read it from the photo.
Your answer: 5:04
